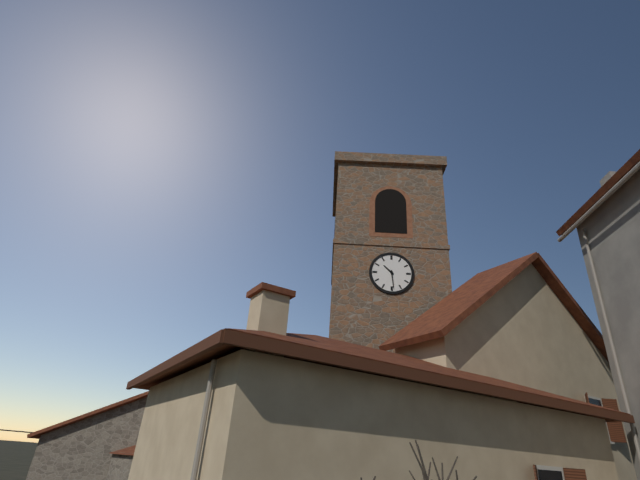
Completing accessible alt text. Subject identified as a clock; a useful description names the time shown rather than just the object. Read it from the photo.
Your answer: 10:29
